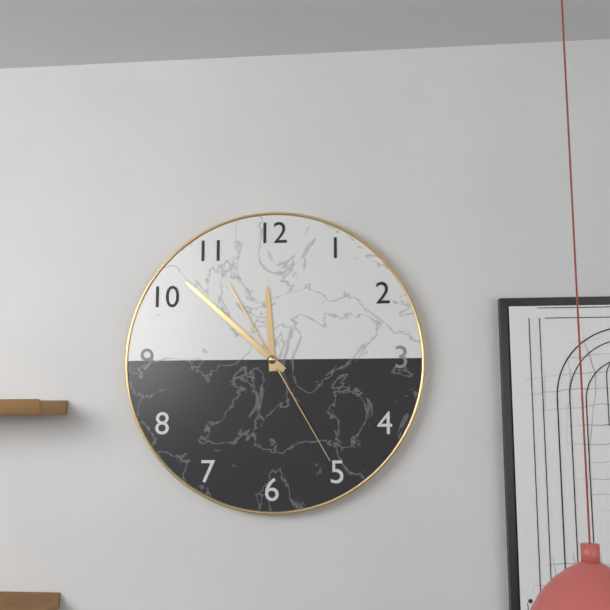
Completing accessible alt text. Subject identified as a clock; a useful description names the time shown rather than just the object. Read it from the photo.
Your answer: 11:52:25
